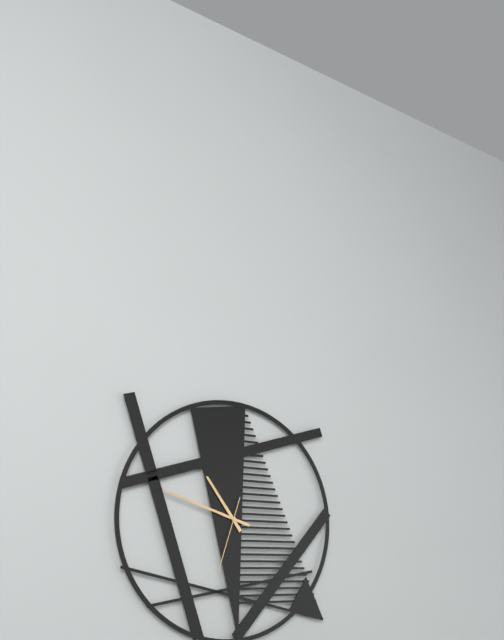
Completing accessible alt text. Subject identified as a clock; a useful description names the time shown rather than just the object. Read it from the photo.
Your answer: 10:48:33
